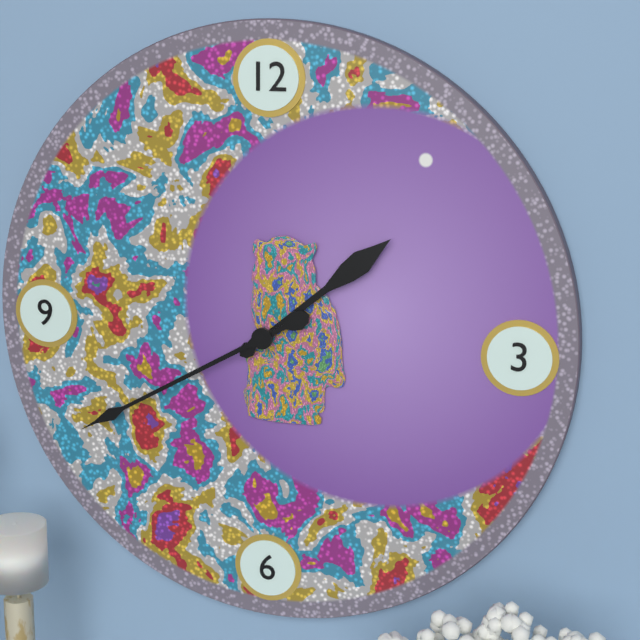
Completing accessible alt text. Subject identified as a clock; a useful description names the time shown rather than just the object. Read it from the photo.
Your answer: 1:40
